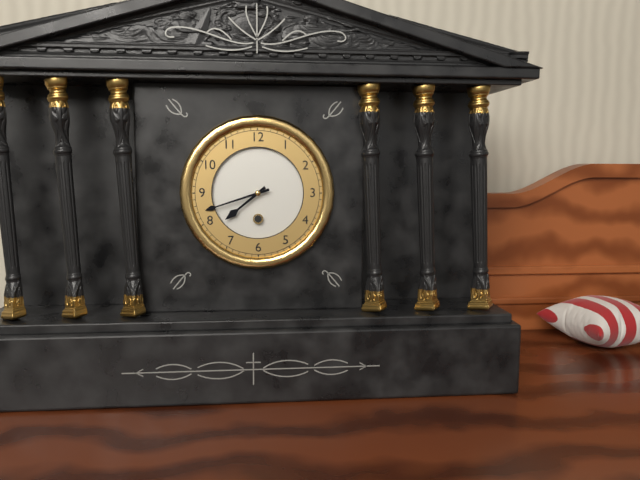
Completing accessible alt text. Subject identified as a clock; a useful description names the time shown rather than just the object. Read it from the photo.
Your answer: 7:42
